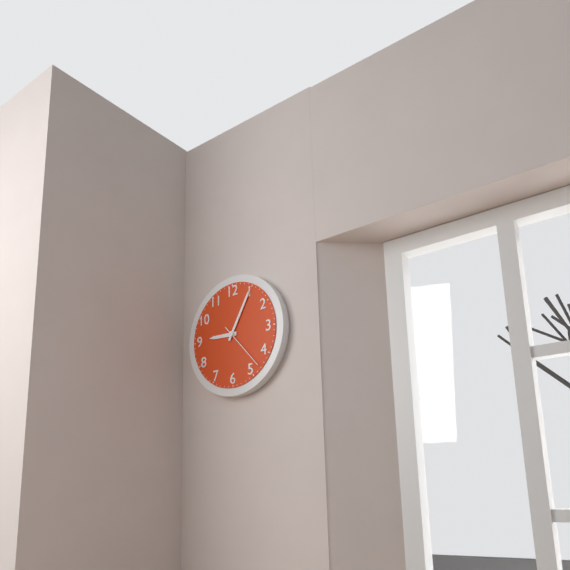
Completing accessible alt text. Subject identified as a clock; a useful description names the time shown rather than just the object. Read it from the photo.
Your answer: 9:05:23
